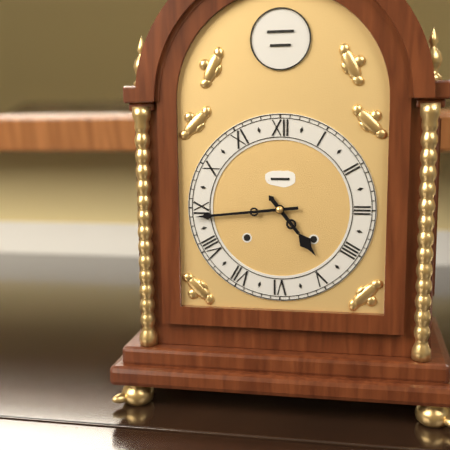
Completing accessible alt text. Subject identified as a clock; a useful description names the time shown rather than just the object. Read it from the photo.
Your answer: 4:44
